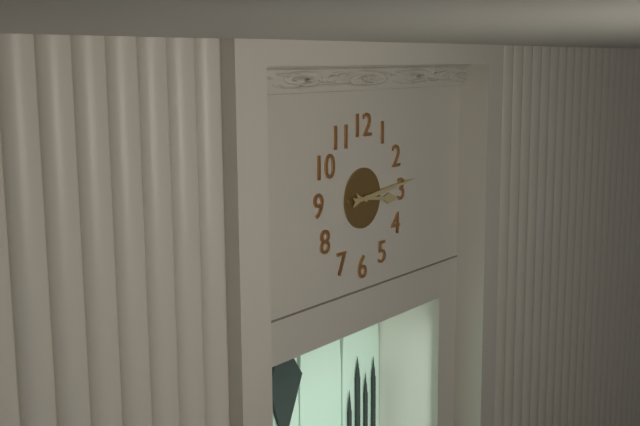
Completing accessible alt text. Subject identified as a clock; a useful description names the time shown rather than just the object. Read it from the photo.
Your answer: 3:14
